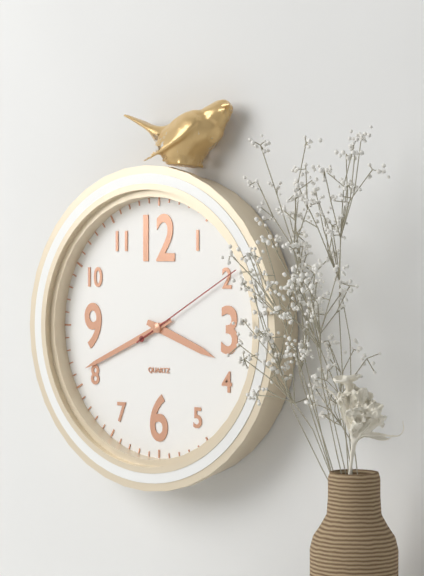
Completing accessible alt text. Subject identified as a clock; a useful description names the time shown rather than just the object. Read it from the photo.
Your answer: 3:41:10
